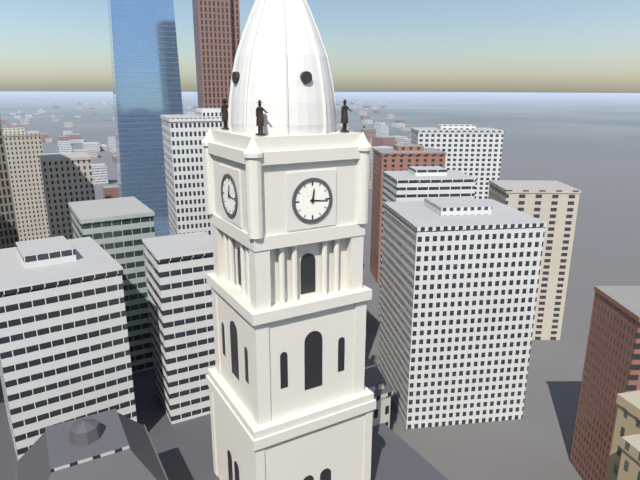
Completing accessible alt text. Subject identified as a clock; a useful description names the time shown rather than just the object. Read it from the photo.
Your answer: 12:16
